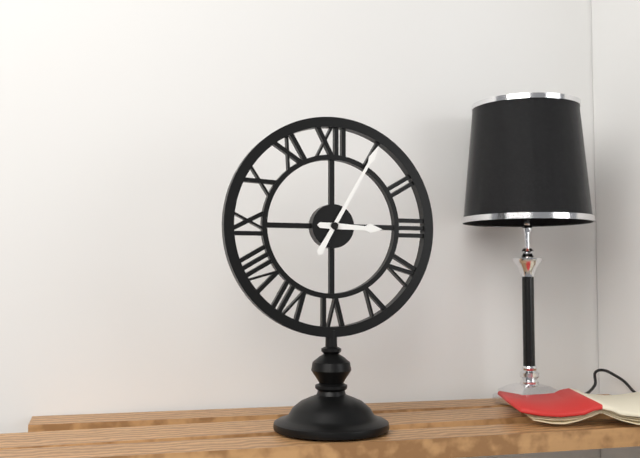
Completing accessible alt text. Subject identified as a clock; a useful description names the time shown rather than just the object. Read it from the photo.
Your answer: 3:05
